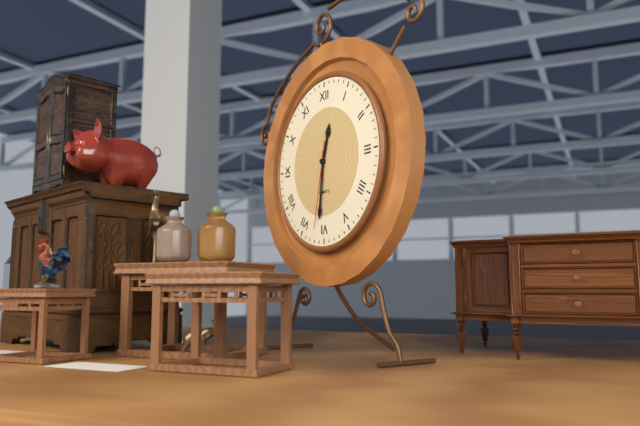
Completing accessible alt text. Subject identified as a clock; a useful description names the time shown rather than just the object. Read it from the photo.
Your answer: 12:31:32
